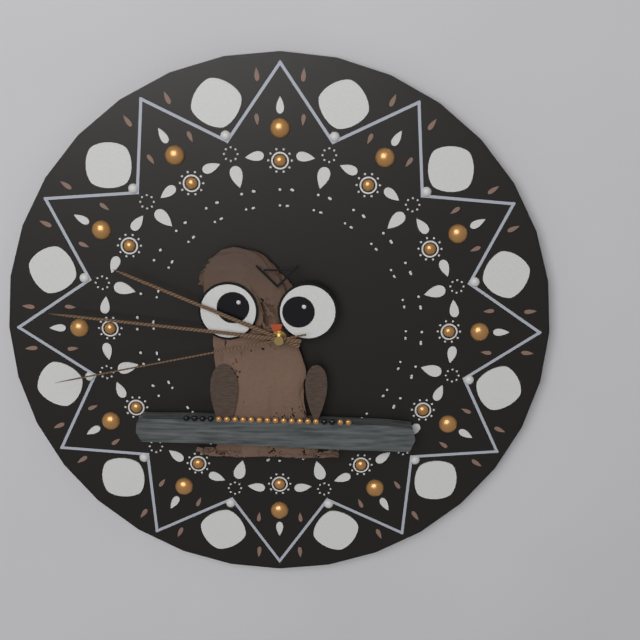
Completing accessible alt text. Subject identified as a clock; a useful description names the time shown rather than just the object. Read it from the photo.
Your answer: 9:46:43
